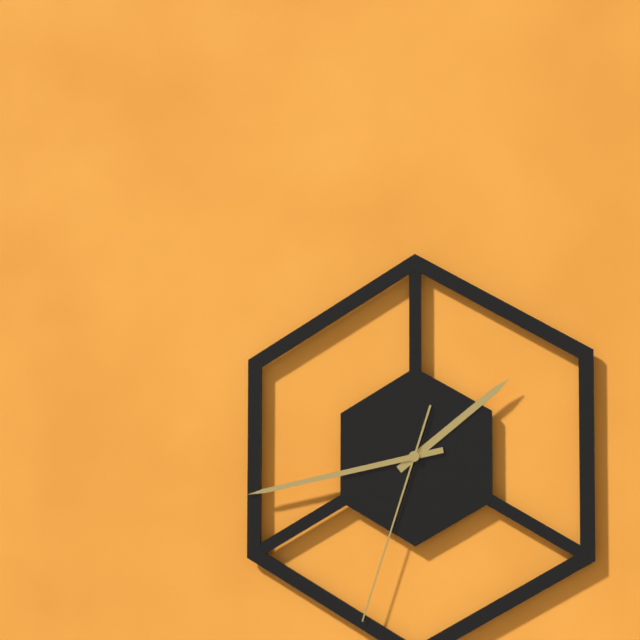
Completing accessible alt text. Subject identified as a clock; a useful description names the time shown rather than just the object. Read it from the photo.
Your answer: 1:43:33
